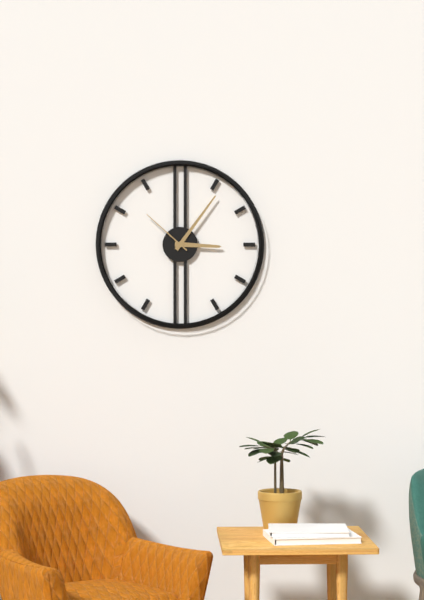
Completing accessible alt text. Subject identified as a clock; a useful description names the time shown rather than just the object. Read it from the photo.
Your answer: 3:06:52
